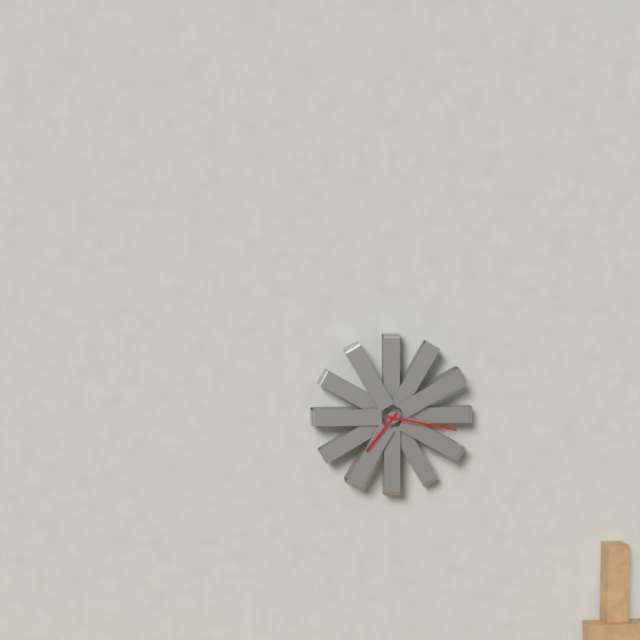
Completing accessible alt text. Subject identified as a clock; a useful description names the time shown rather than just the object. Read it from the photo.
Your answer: 7:17
